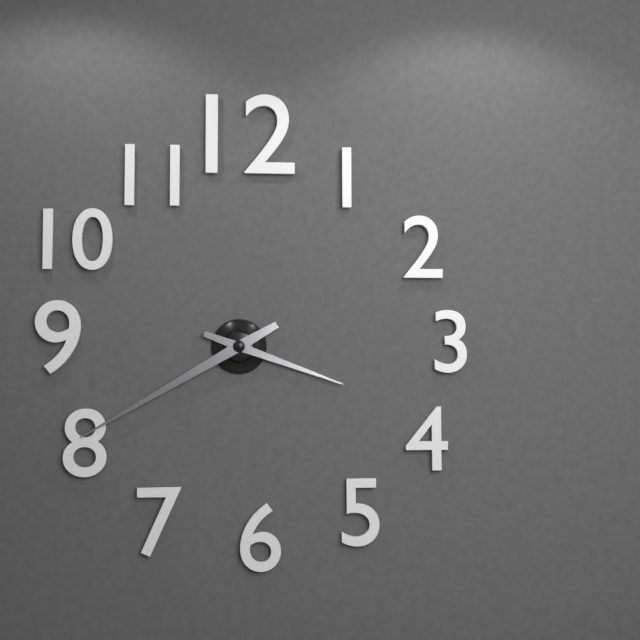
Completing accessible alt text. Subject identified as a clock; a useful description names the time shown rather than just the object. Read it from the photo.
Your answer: 3:40
